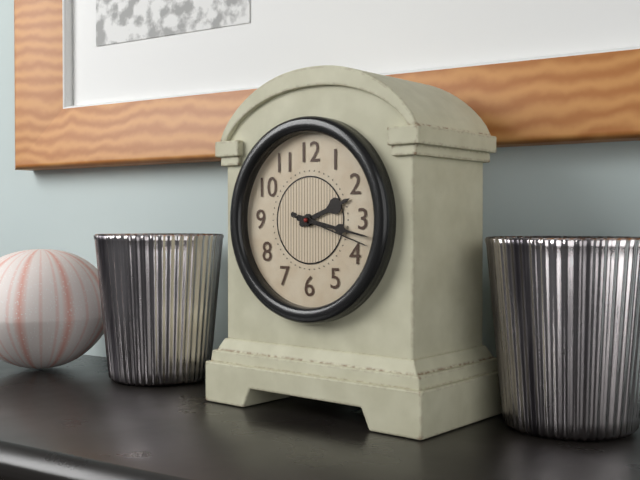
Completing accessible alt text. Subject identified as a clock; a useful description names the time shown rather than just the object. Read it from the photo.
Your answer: 2:17:18
